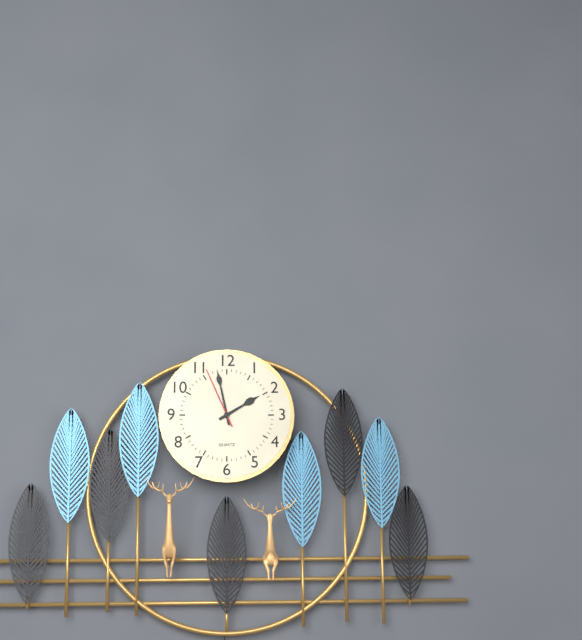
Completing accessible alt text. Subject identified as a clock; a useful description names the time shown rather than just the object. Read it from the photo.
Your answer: 1:58:56
